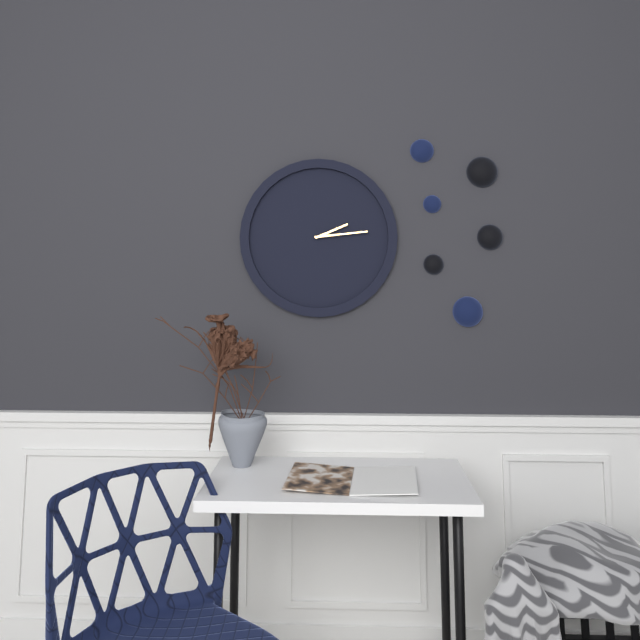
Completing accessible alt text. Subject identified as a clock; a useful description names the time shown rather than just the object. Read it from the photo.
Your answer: 2:14
